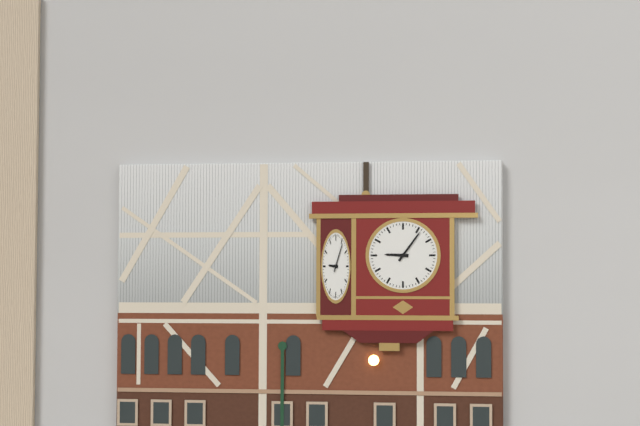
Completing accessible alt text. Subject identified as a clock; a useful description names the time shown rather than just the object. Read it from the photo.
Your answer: 9:06
